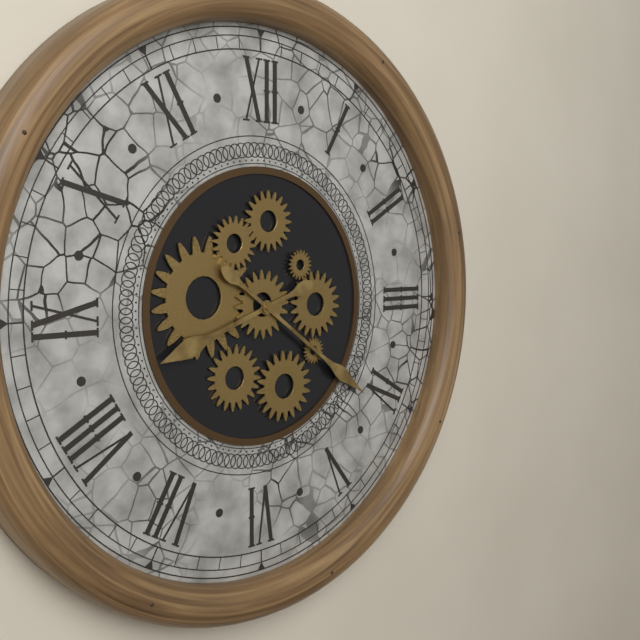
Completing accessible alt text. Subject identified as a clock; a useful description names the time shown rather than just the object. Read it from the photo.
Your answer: 8:21
